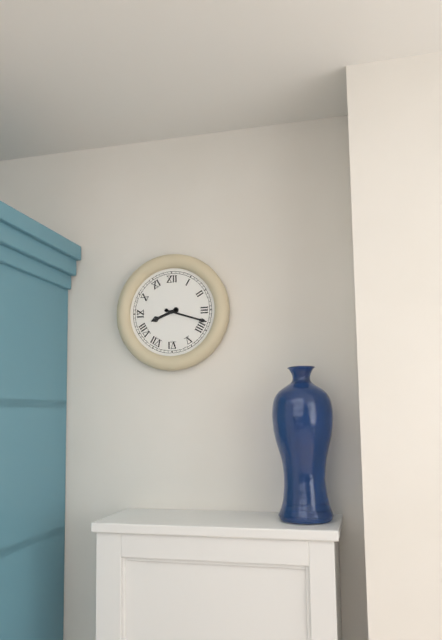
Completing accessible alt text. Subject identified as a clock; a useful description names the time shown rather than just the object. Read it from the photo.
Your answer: 8:18
